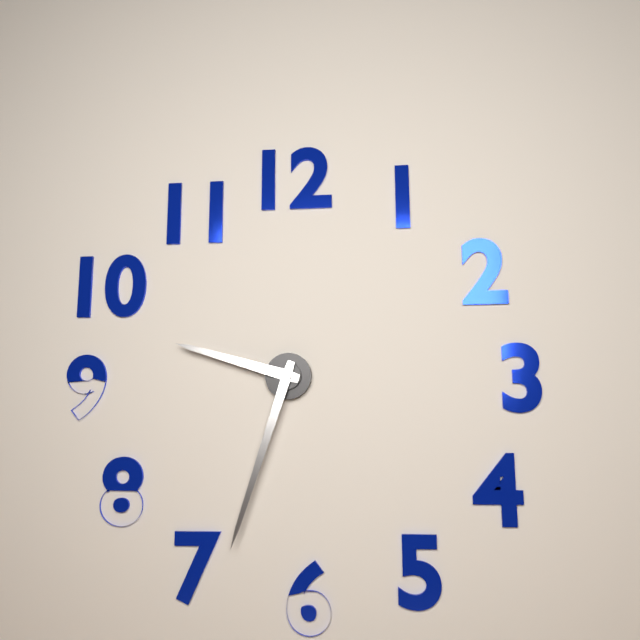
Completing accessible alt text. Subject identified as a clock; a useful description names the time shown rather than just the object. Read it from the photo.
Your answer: 9:33
